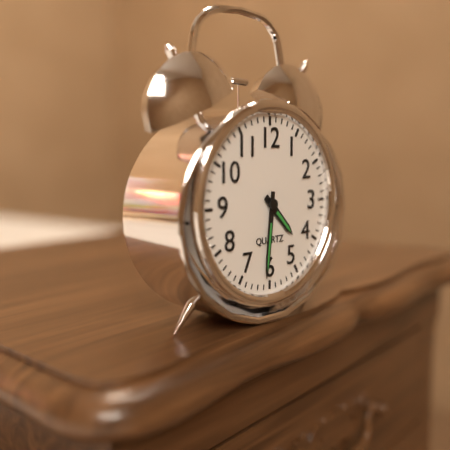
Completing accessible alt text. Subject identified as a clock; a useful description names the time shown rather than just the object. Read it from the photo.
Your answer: 4:31
